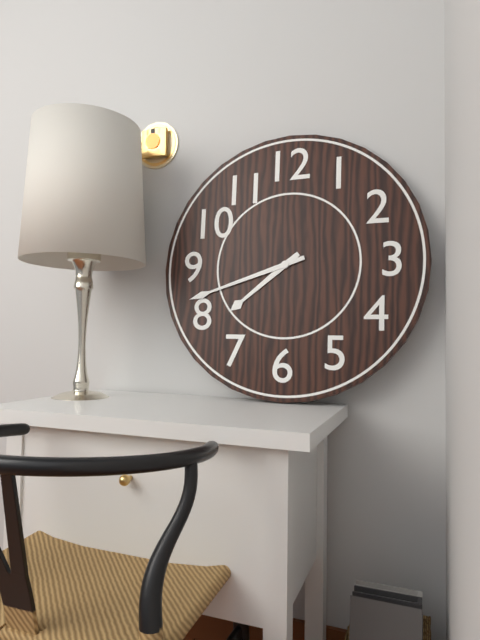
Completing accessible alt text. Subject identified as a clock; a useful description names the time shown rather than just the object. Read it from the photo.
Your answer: 7:42
